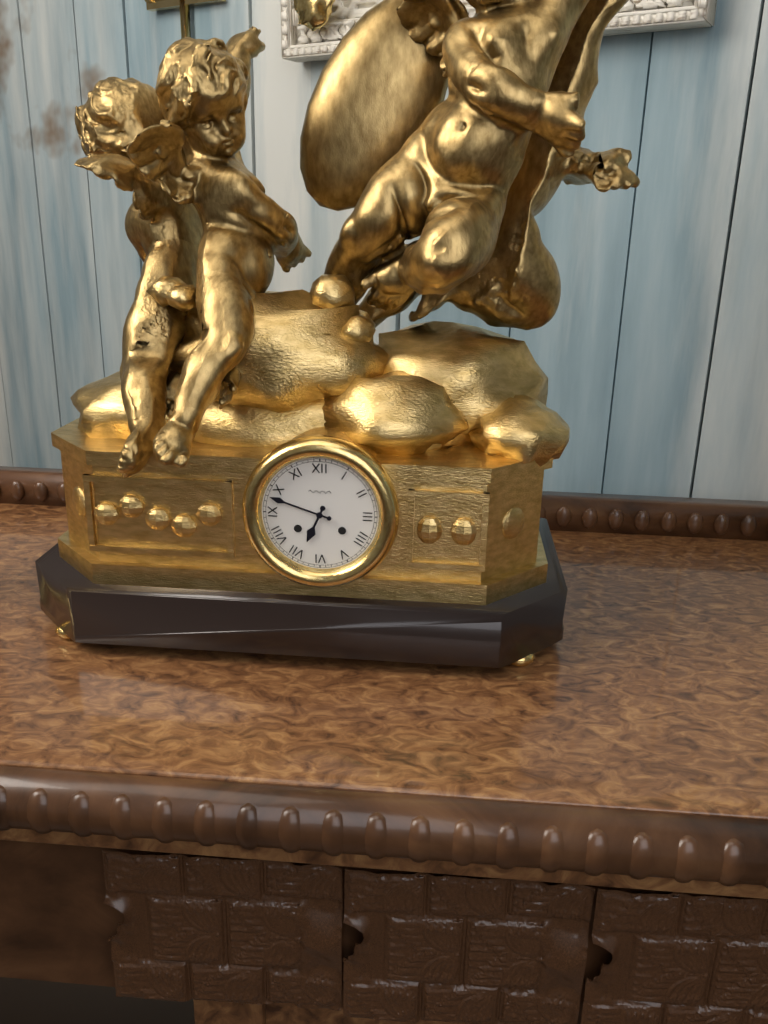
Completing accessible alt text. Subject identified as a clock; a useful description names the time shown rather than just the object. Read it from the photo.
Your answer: 6:48
